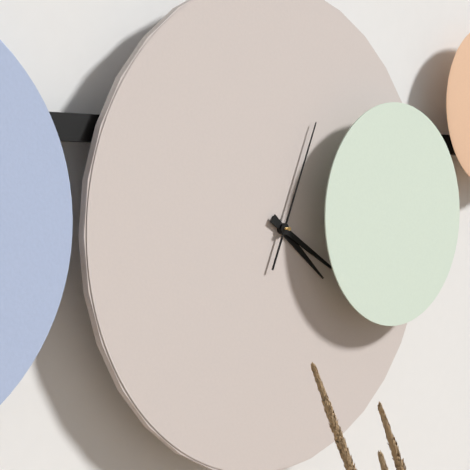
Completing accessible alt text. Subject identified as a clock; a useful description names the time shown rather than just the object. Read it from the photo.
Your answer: 4:20:04
